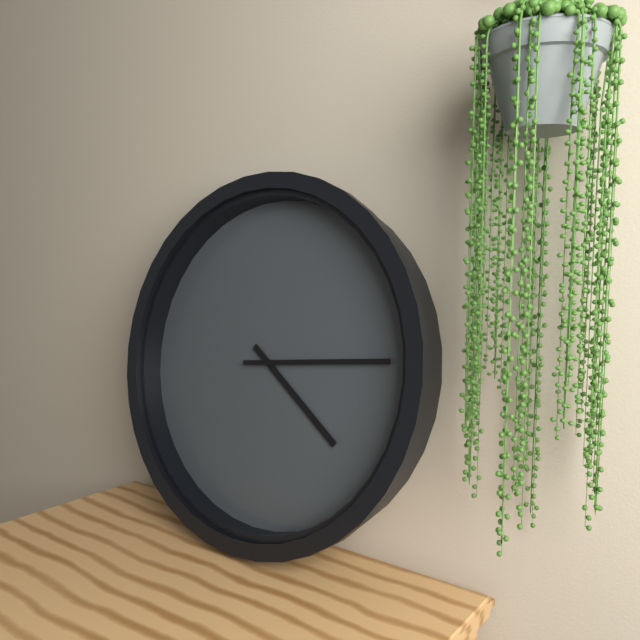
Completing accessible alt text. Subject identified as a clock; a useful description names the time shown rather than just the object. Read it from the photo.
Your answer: 4:14
